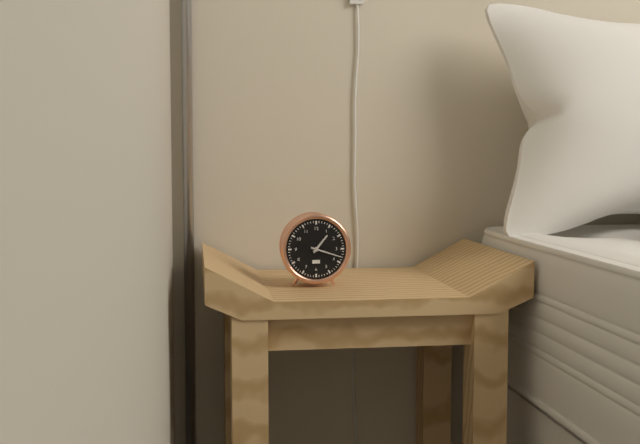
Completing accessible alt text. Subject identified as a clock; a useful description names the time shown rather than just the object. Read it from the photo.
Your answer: 1:18
